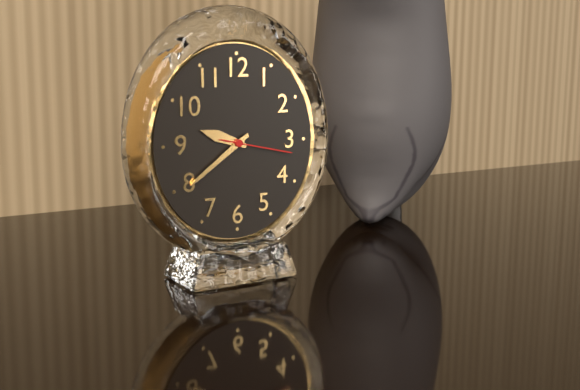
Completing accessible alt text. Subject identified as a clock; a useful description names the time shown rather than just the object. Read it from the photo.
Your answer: 9:39:17
